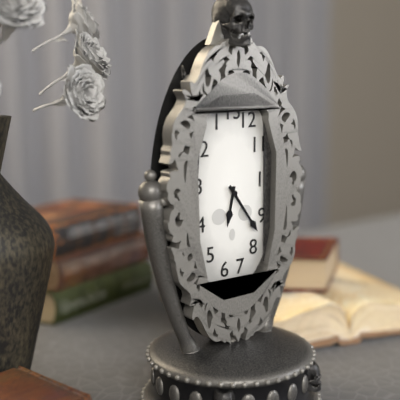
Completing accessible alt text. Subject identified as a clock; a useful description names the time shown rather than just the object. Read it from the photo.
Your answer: 6:24
